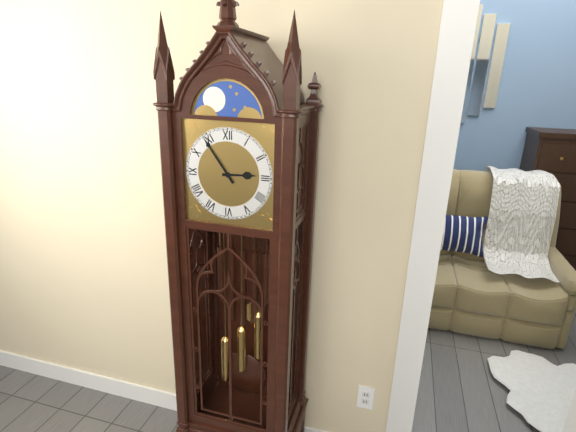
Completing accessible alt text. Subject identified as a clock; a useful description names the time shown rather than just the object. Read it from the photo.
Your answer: 2:54
